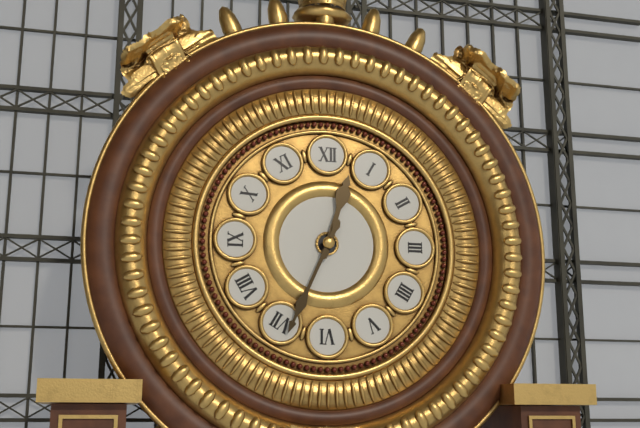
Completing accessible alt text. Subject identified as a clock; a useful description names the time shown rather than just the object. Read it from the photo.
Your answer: 12:34
